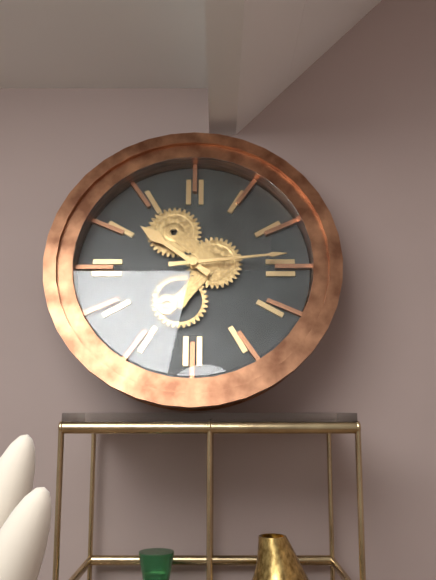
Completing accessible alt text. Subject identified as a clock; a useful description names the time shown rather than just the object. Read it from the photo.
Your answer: 10:14
